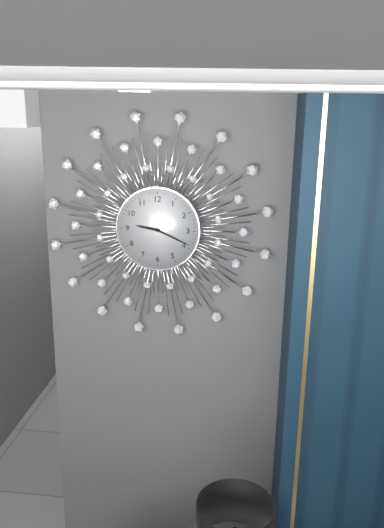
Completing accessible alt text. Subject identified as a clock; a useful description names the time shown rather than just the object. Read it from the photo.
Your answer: 9:19
